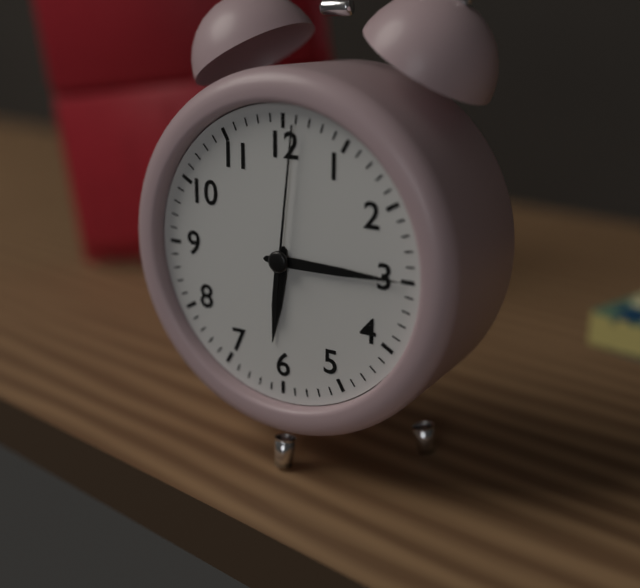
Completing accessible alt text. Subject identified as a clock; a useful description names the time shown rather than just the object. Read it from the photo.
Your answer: 6:15:01
